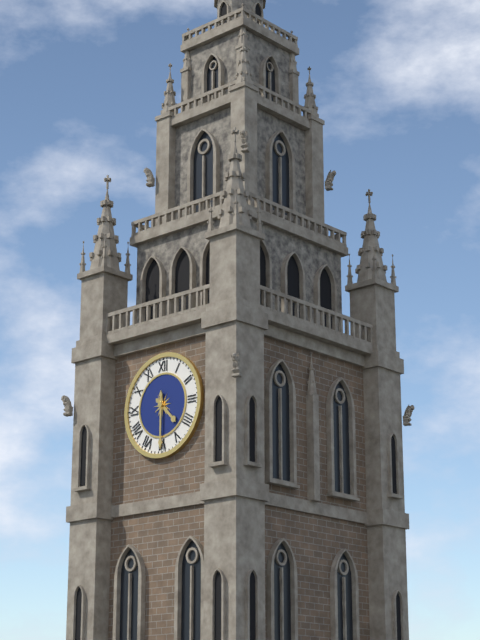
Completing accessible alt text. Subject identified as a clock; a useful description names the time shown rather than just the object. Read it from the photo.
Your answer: 4:30
